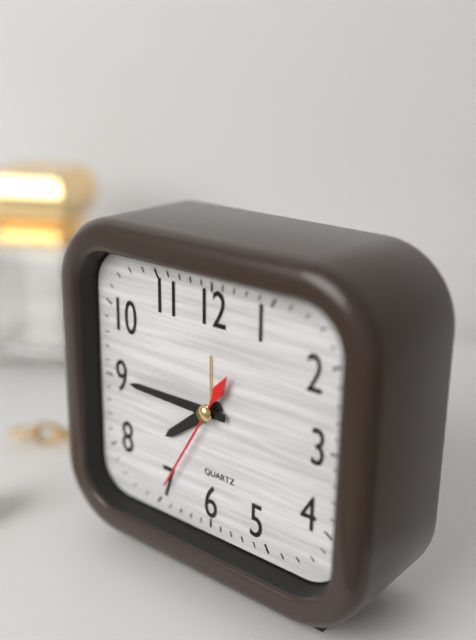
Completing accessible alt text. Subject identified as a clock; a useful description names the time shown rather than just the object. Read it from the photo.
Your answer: 7:45:35
